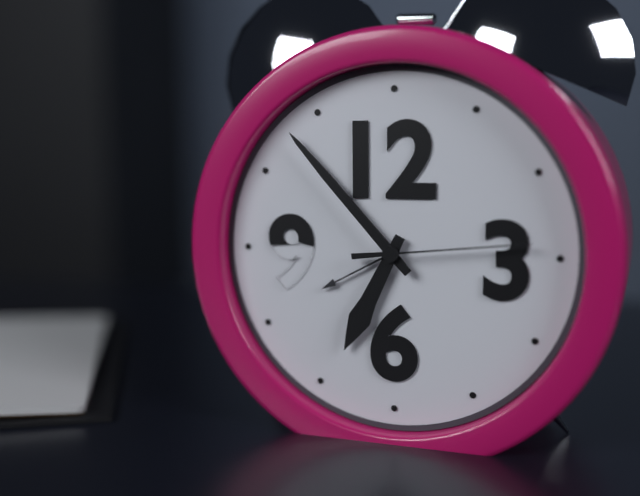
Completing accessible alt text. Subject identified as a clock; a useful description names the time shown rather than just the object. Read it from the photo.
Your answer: 6:53:14
